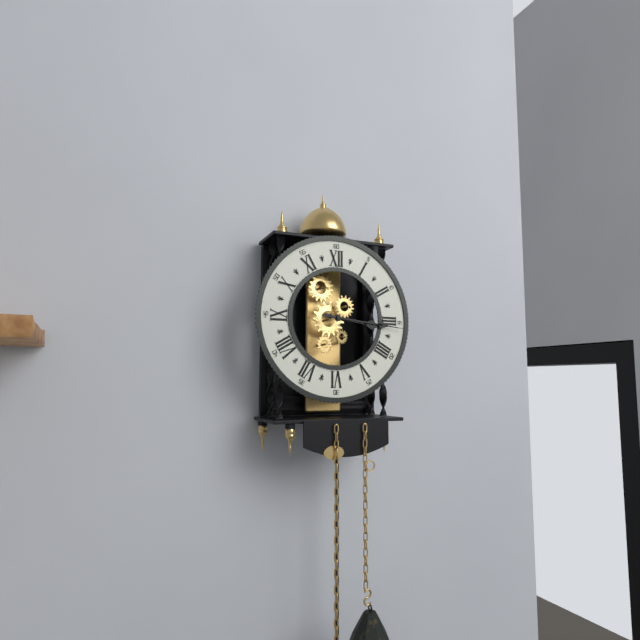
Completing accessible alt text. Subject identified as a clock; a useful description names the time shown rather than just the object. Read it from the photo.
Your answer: 3:16
